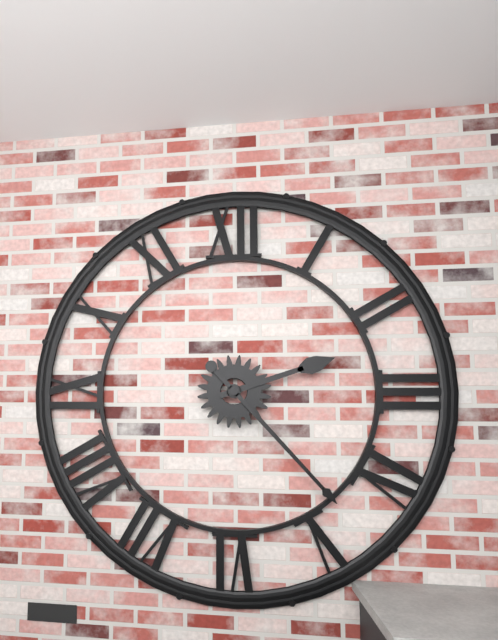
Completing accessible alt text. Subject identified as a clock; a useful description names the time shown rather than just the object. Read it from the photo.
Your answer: 2:23
